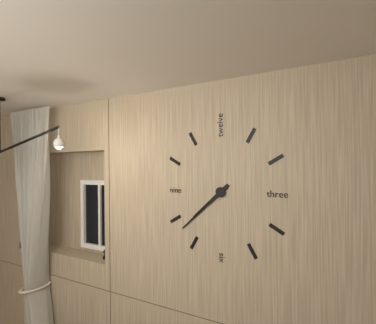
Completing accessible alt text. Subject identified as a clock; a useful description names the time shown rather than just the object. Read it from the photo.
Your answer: 7:38
